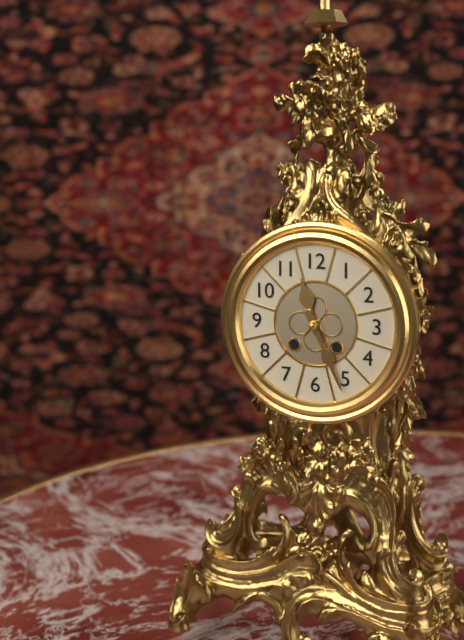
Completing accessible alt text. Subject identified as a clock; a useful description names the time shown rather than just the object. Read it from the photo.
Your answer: 11:26
